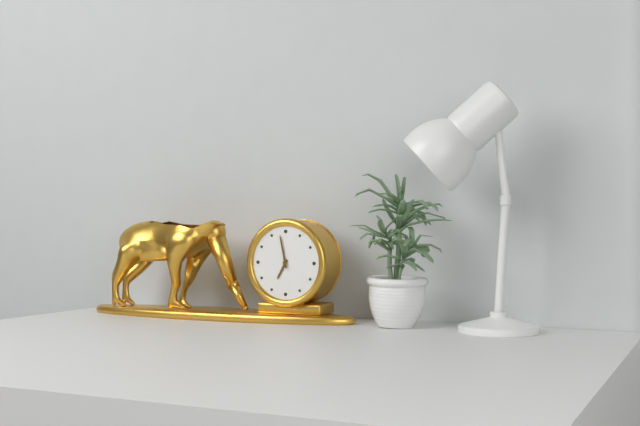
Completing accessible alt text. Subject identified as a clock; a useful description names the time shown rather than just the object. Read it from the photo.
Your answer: 6:58
